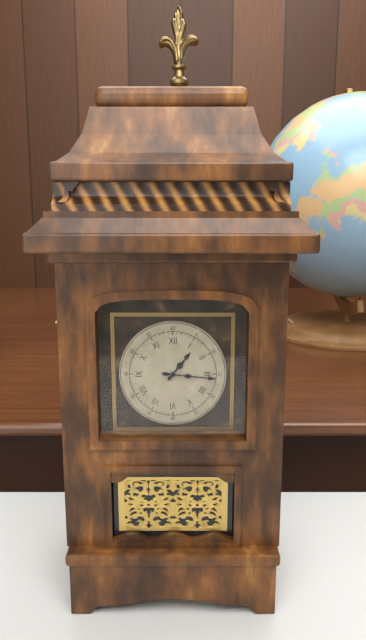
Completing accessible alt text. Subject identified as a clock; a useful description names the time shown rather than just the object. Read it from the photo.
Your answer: 1:16
